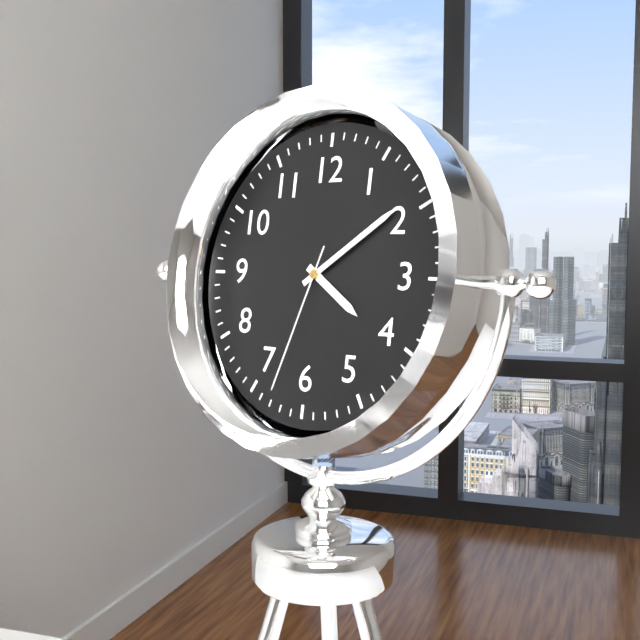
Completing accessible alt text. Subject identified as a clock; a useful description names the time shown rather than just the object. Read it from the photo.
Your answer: 4:09:33
